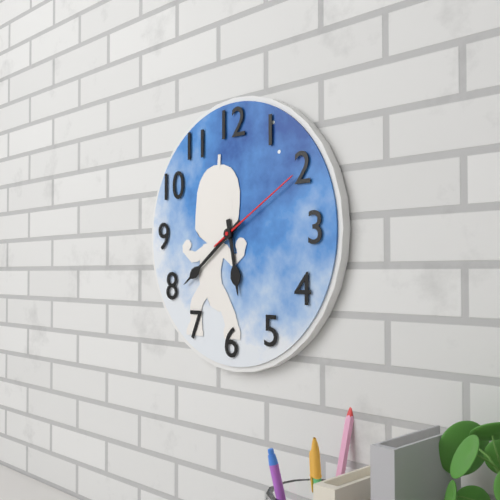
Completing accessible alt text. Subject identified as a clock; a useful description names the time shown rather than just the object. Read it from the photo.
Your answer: 5:39:10
